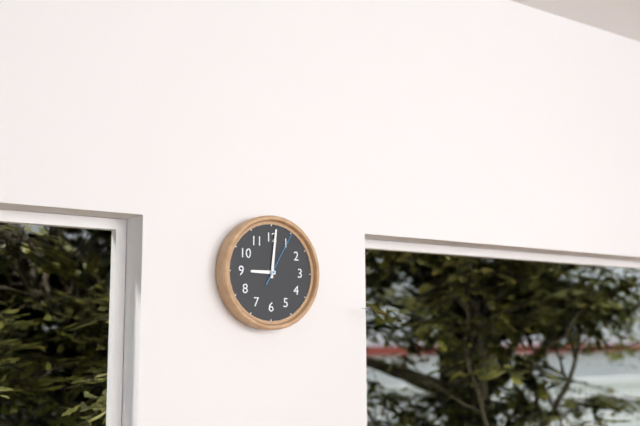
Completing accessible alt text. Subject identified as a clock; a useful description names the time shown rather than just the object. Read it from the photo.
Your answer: 9:01:05
